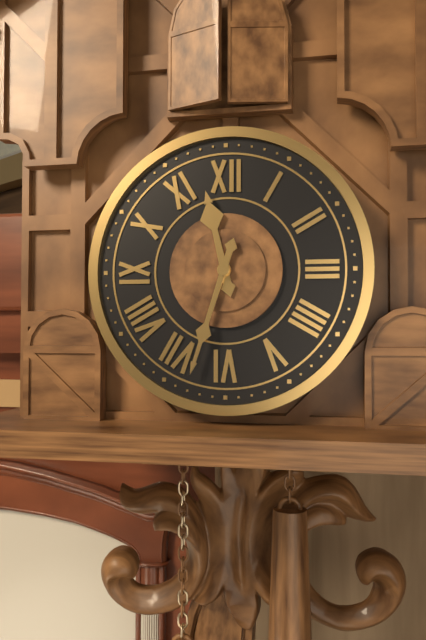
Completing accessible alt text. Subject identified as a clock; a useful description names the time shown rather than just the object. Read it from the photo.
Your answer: 11:33
